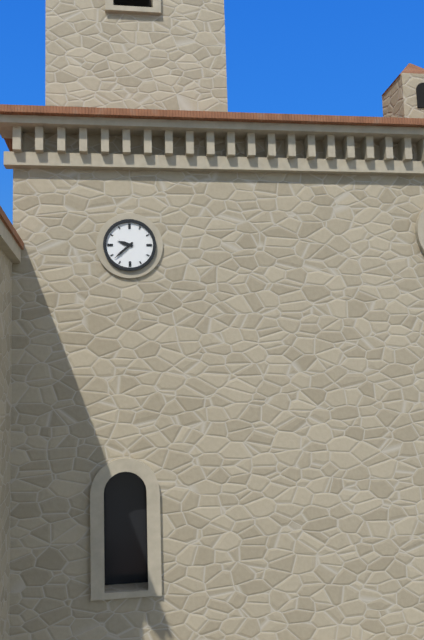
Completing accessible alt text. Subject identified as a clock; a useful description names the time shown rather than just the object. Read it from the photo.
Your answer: 9:38
